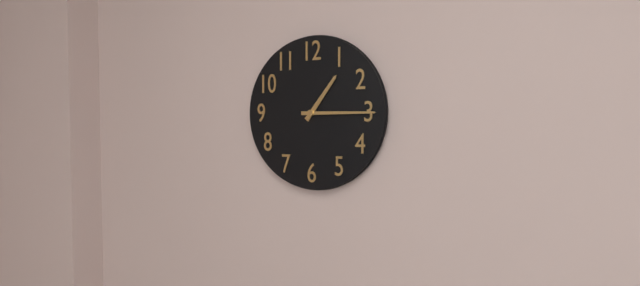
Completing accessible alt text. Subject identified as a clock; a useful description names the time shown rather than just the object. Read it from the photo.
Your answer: 1:15
